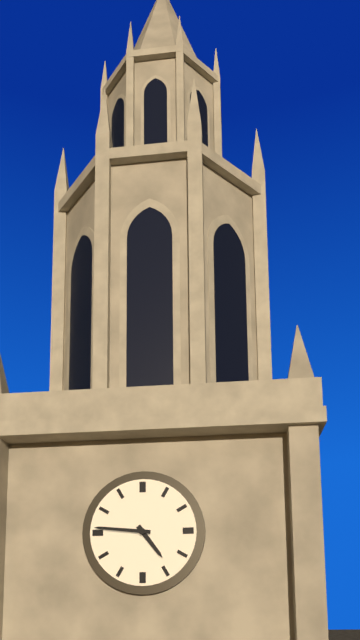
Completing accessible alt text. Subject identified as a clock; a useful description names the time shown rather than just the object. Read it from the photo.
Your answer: 4:46
